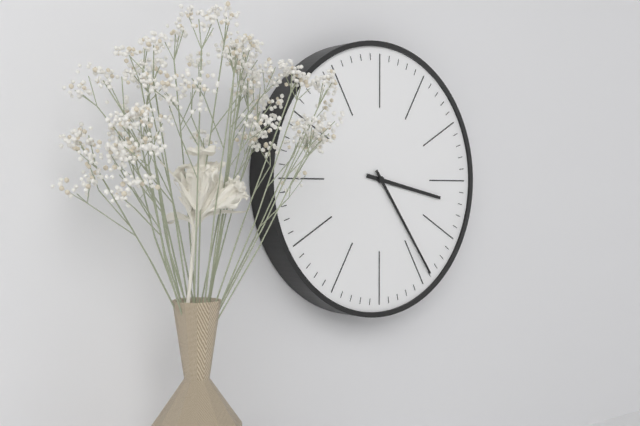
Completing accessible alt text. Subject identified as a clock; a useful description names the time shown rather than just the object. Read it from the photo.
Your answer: 3:24
